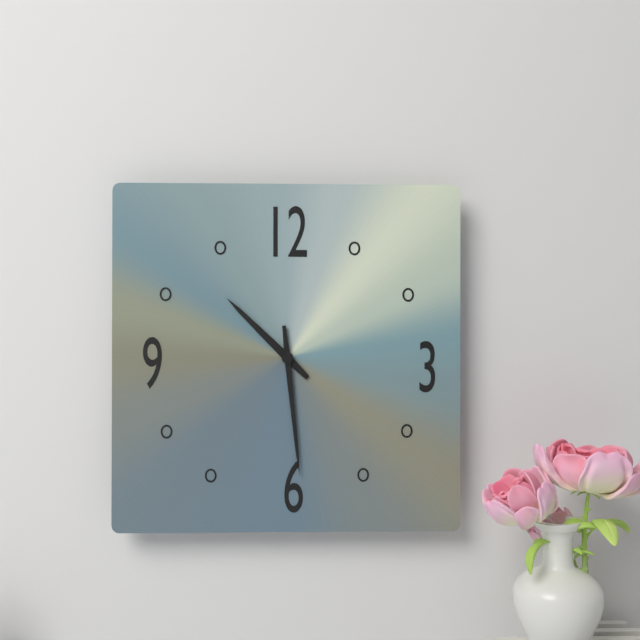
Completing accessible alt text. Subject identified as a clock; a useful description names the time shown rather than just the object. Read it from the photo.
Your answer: 10:29
